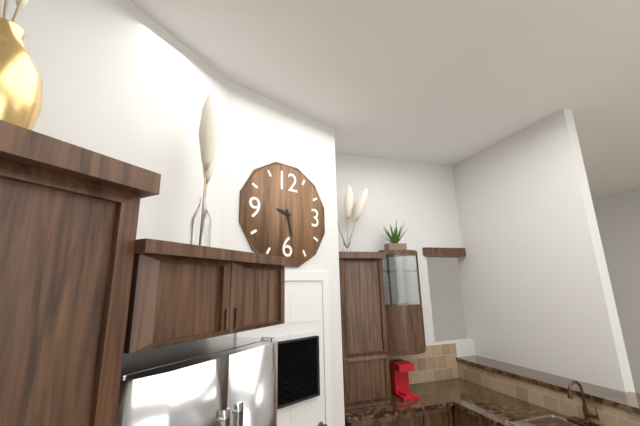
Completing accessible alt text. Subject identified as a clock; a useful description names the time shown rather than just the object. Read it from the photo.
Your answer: 9:28
